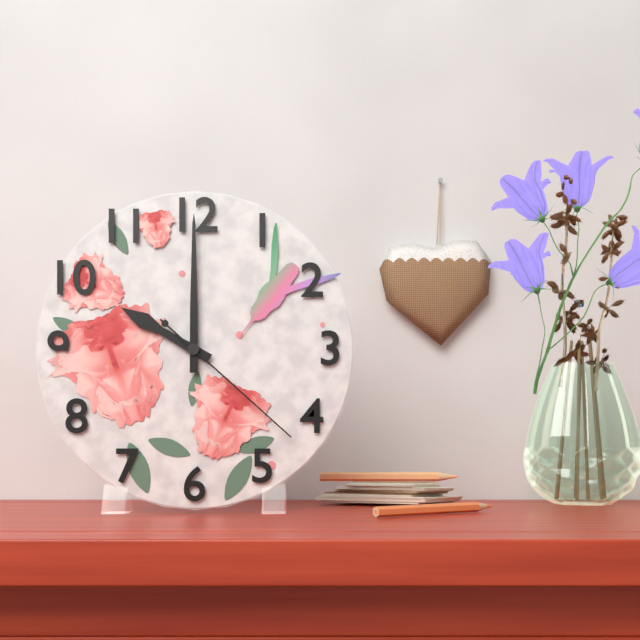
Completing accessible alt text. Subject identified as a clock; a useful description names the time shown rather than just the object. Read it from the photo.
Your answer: 10:00:22
